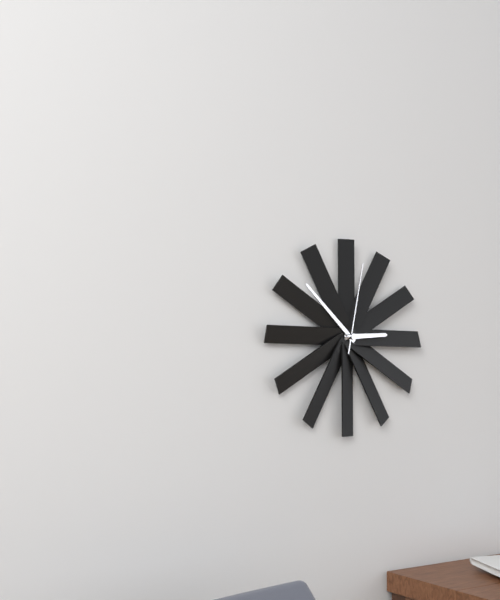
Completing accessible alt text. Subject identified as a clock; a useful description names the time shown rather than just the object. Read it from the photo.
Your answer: 2:52:02
